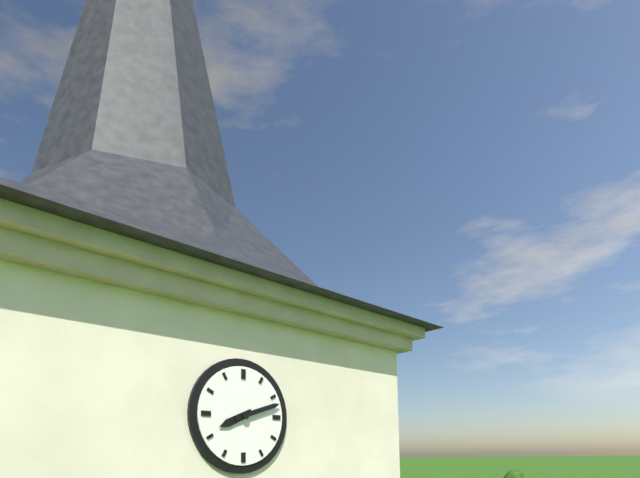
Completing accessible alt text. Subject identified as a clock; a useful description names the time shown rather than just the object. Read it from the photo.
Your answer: 8:12
